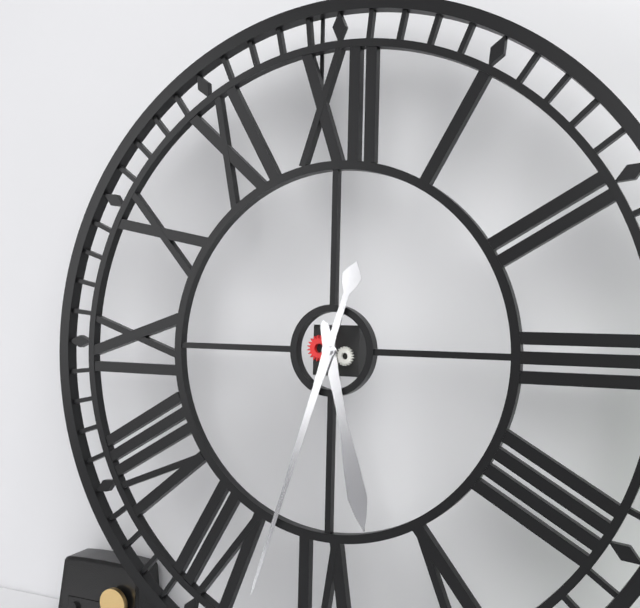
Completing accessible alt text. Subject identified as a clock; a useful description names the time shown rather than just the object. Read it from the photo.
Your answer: 5:33
